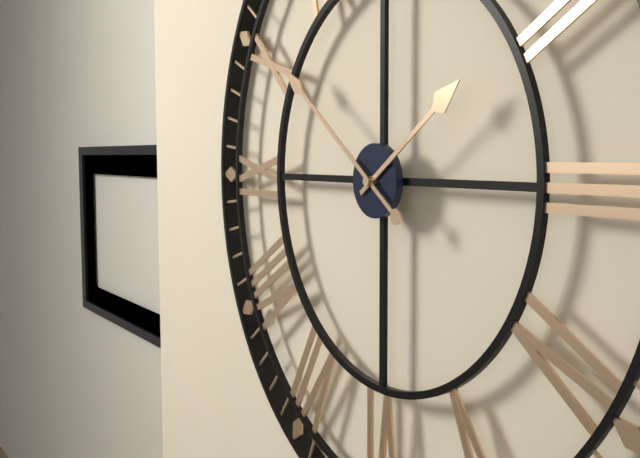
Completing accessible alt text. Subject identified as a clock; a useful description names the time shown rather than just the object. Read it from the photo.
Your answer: 1:51
